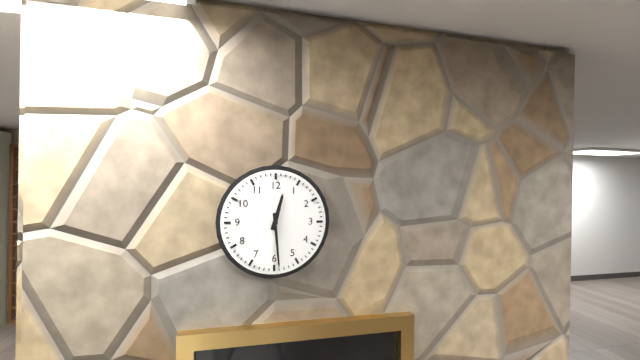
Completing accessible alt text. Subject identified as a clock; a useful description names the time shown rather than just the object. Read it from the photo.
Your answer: 12:29
